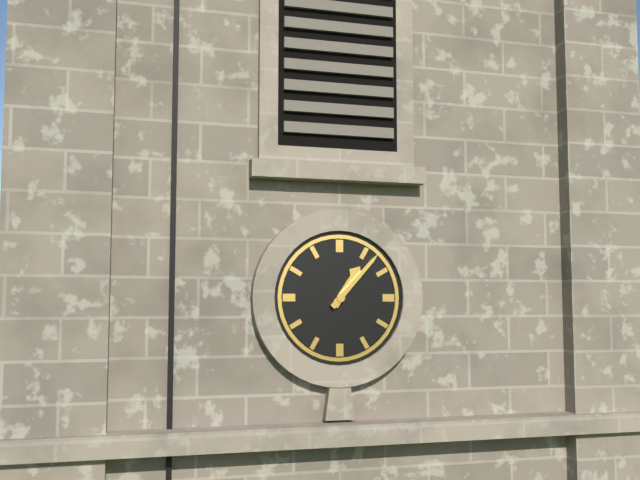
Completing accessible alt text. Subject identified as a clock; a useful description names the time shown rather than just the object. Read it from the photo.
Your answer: 1:07
